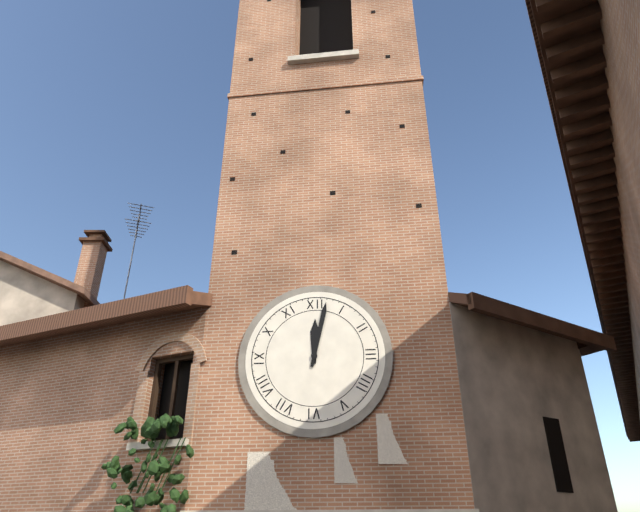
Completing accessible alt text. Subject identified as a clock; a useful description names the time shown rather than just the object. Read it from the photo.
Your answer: 12:02
